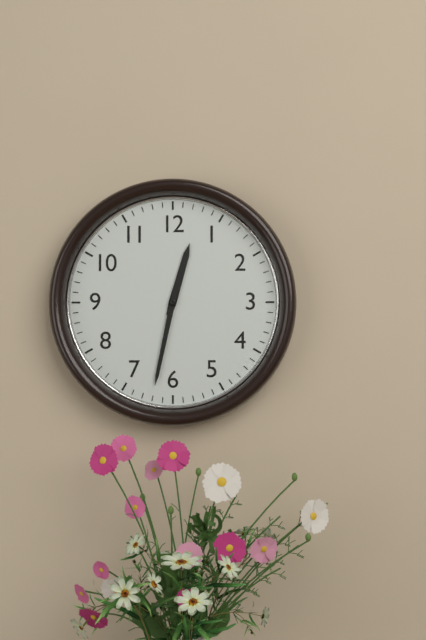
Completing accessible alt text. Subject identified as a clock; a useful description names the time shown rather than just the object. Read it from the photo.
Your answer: 12:32
